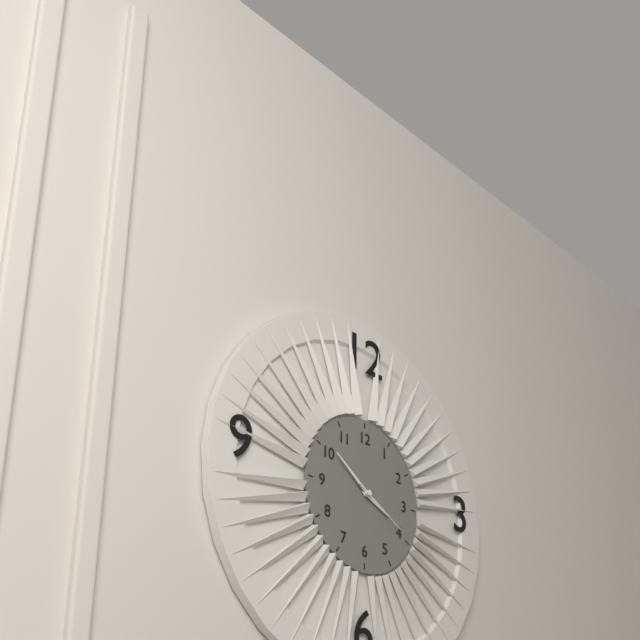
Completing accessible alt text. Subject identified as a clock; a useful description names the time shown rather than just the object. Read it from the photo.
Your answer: 3:51:20
